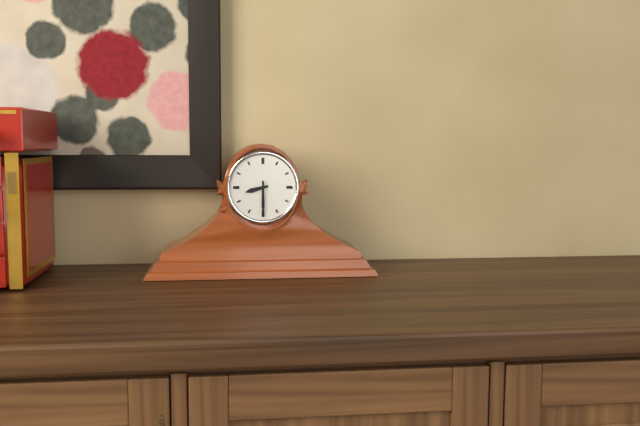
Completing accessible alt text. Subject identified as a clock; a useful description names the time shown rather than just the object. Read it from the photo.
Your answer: 8:30
